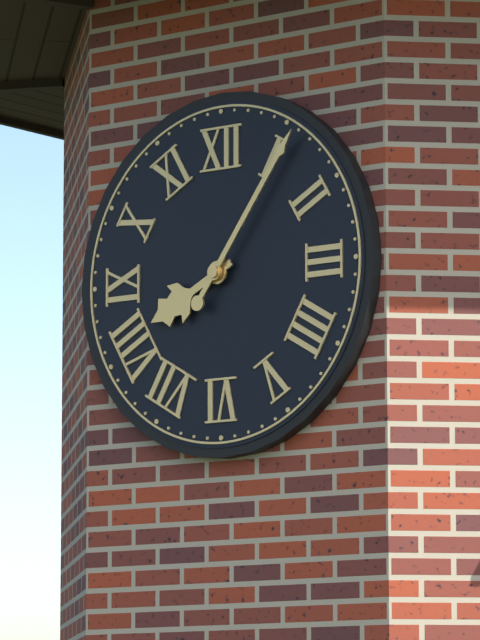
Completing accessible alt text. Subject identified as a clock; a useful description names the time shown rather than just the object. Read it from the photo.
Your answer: 8:06
